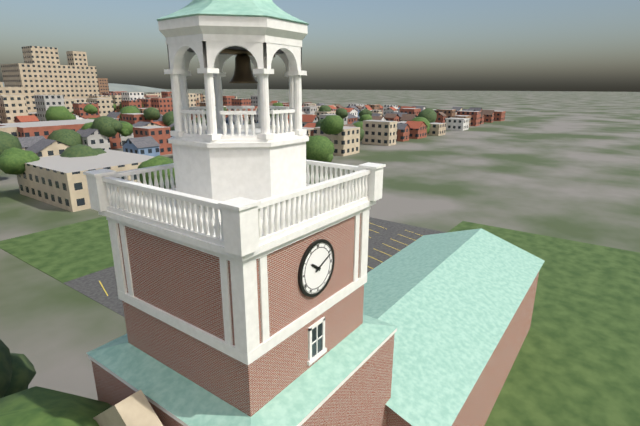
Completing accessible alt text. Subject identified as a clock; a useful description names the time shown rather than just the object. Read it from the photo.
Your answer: 10:11
